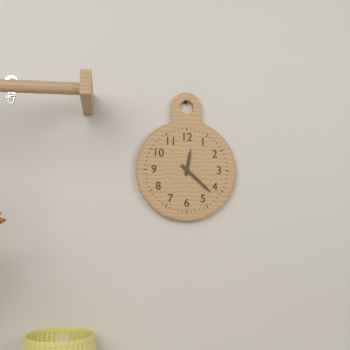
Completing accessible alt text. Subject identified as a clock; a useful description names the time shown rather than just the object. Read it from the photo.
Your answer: 12:22
